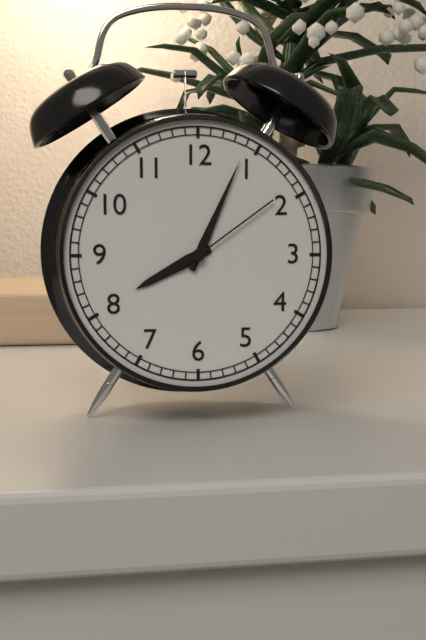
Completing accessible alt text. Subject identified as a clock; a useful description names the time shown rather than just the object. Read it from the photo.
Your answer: 8:04:09
